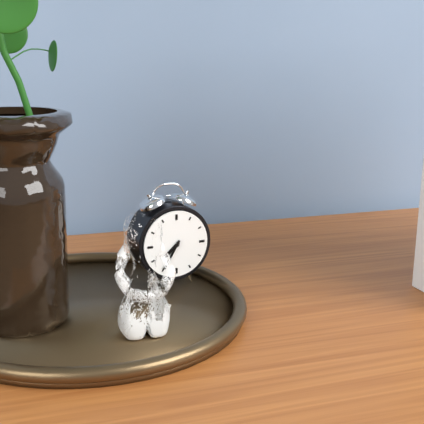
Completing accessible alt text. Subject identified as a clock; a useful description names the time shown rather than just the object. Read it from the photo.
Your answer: 7:35
